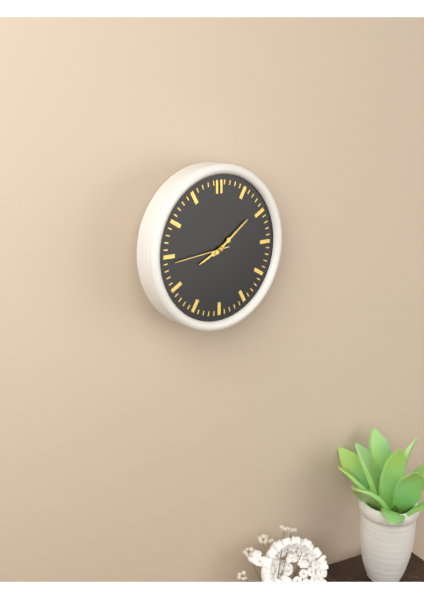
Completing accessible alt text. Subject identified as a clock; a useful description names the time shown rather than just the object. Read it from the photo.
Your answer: 8:09:44
